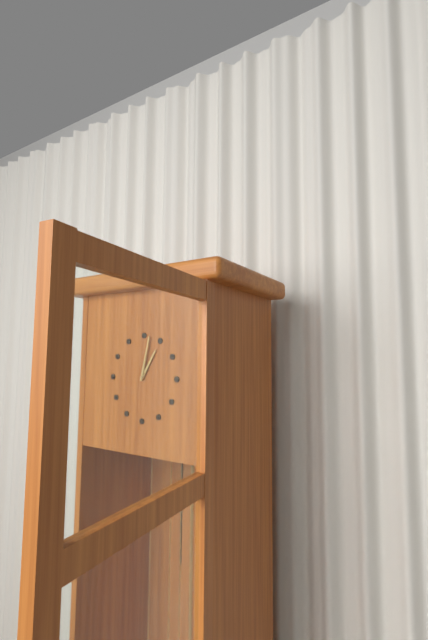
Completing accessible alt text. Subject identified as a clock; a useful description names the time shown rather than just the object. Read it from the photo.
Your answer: 1:02
